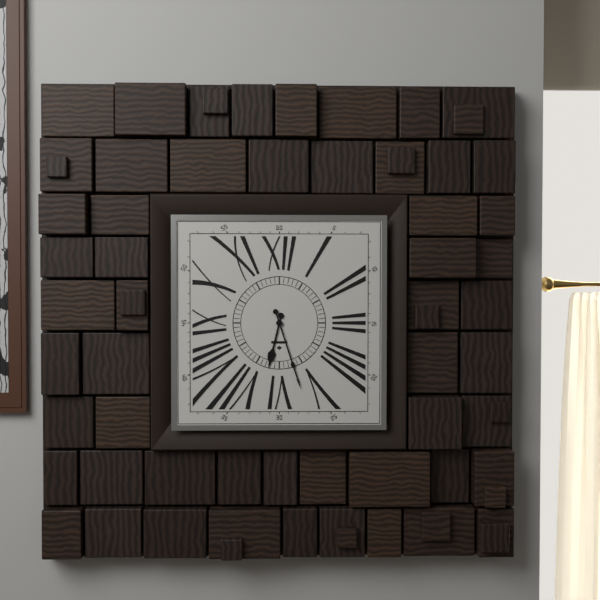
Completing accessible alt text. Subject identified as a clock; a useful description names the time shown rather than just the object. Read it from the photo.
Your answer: 6:27
